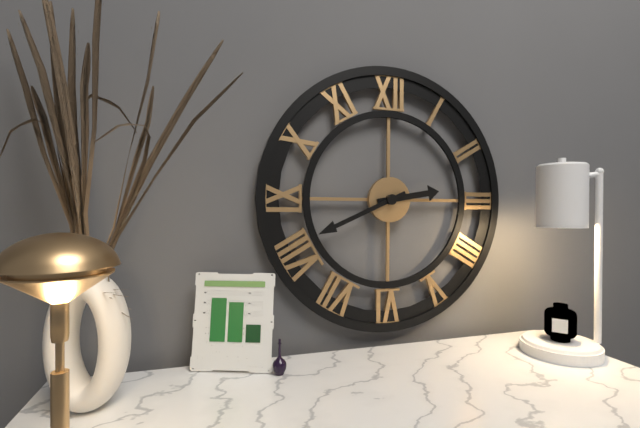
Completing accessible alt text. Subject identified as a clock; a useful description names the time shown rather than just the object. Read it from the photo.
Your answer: 2:41
